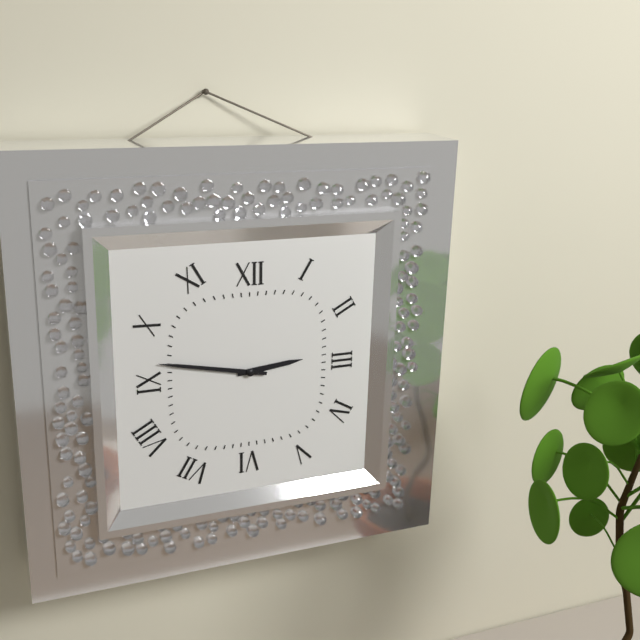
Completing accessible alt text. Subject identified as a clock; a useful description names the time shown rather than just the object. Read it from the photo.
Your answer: 2:47
